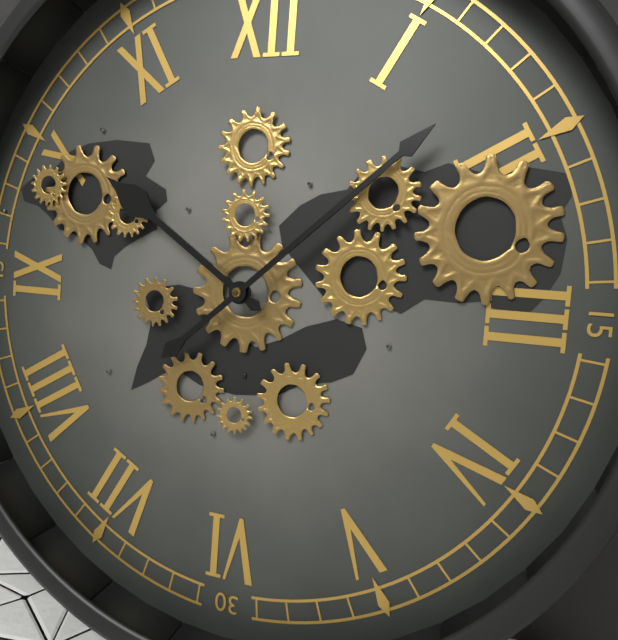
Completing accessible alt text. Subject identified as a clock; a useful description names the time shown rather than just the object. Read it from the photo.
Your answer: 10:08
